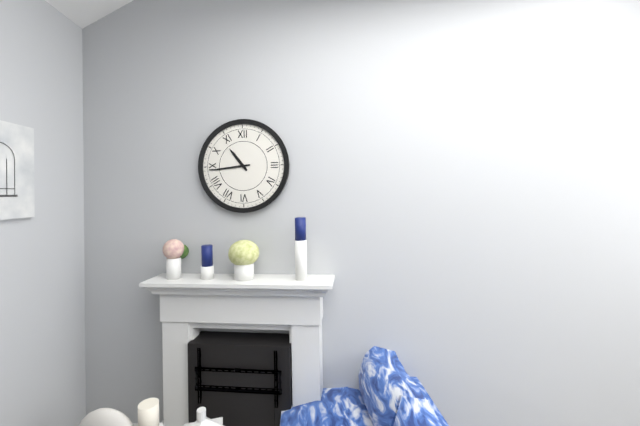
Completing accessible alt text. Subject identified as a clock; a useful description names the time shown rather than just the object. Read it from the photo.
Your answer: 10:44
